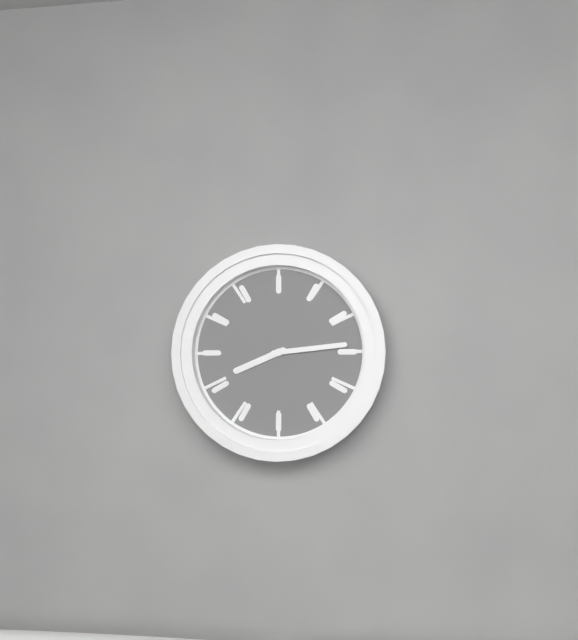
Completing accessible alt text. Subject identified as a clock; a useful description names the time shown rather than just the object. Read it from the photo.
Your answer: 8:14
